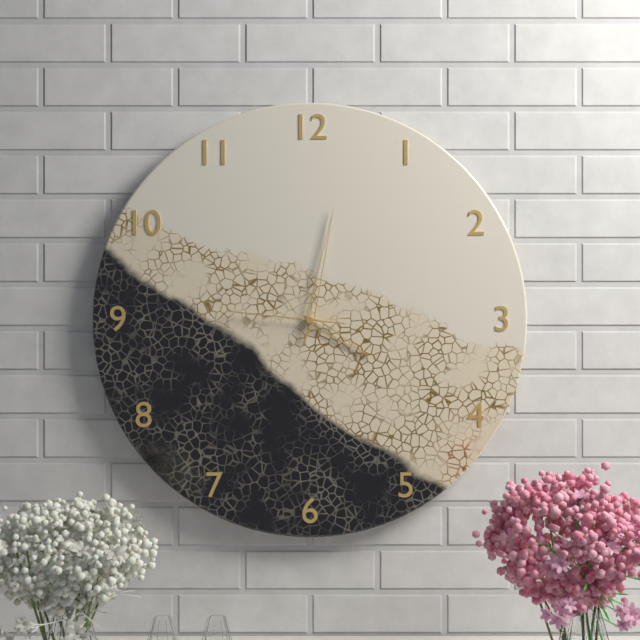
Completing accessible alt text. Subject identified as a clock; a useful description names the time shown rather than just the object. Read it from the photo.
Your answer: 4:02:46
